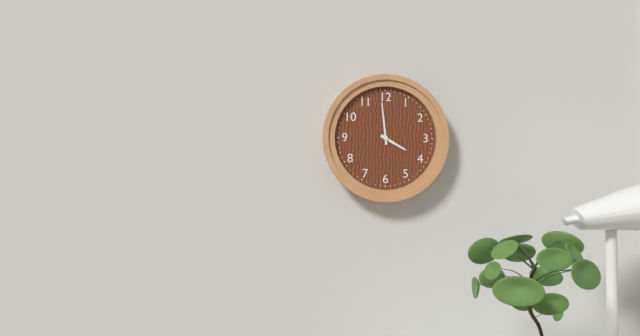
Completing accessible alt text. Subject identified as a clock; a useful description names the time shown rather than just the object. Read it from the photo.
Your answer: 3:59
